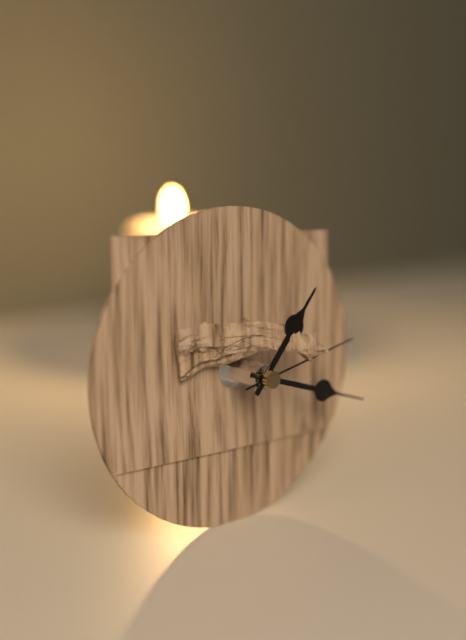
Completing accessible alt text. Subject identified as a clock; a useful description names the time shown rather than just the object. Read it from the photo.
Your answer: 1:18:13
